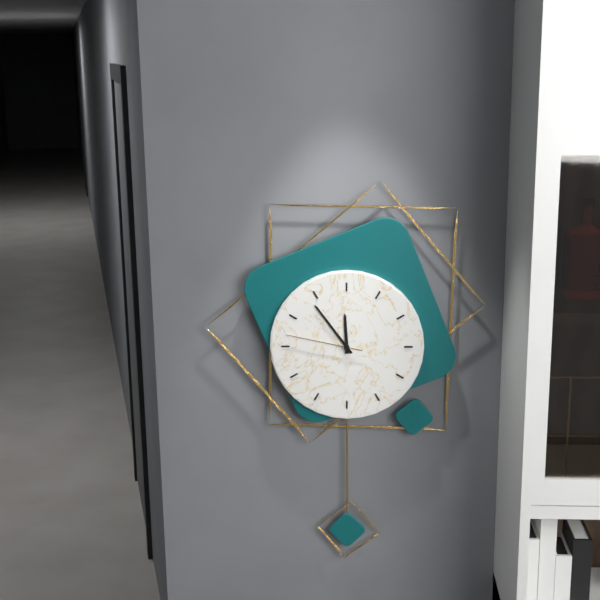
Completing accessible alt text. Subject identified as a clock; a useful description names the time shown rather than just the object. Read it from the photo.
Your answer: 11:54:47
